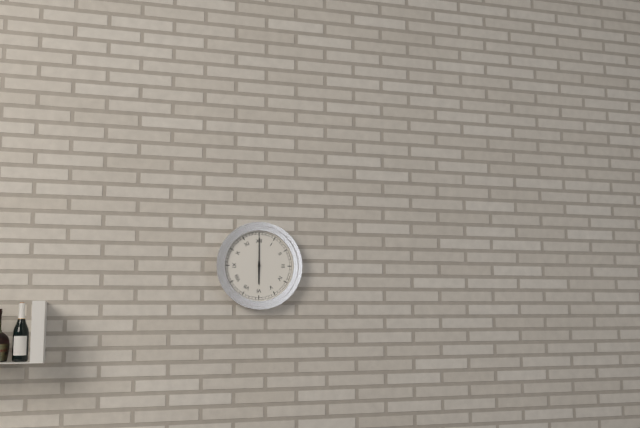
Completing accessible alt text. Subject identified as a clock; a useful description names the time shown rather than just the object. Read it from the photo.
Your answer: 6:00
